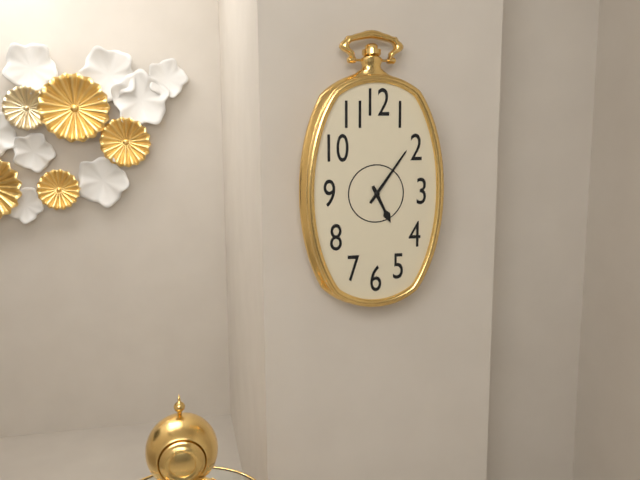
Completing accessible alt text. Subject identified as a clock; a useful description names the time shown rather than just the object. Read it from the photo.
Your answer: 5:06
